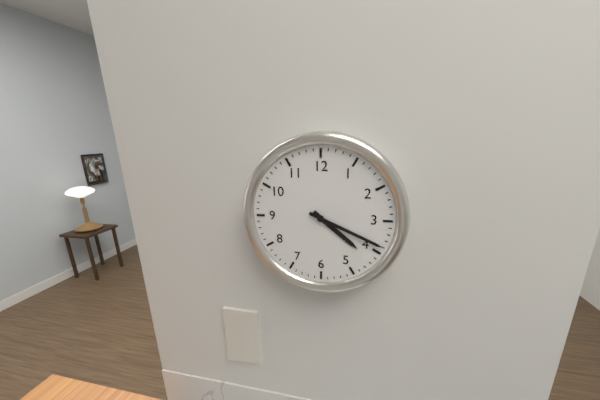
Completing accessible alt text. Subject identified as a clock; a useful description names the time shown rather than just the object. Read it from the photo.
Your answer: 4:19
